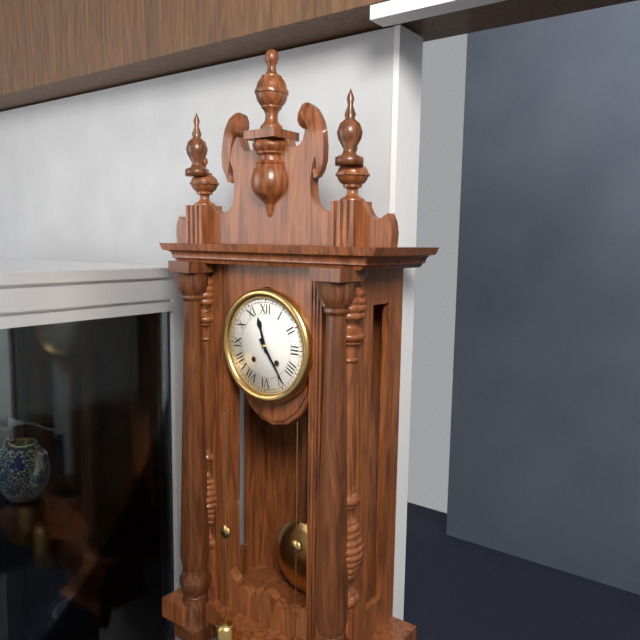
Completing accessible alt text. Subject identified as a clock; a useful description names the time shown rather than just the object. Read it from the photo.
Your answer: 11:24
